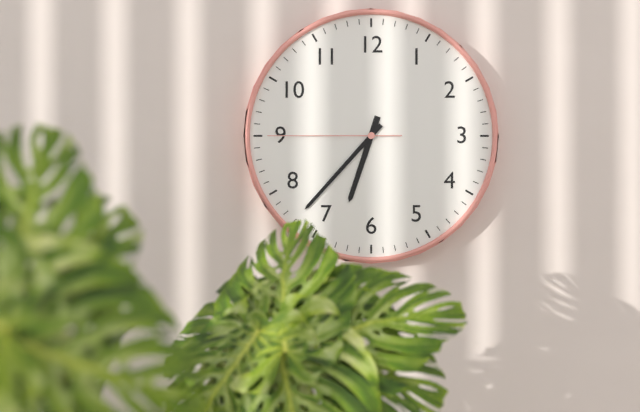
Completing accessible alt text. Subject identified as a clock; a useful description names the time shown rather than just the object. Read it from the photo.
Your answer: 6:37:45
